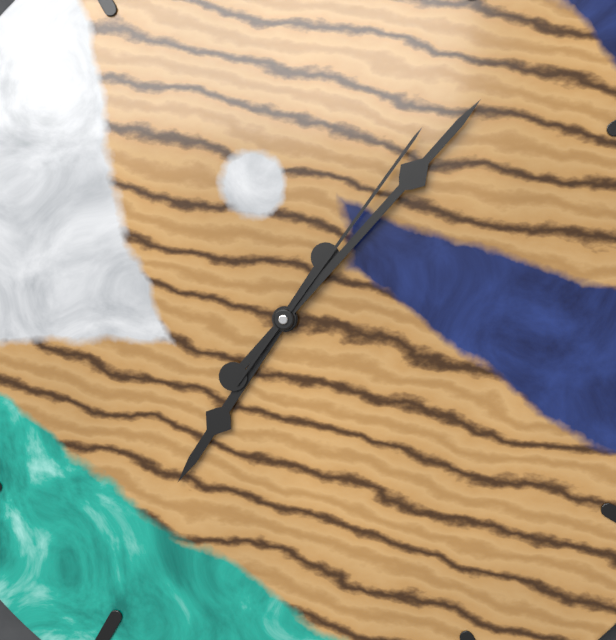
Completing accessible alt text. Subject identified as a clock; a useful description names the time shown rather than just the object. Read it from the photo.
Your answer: 7:07:06
